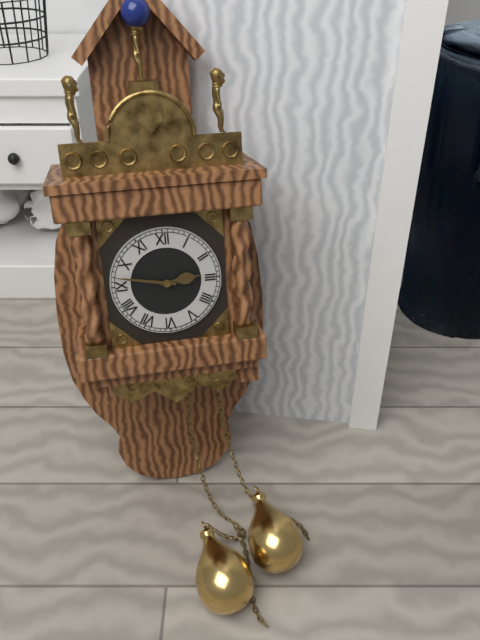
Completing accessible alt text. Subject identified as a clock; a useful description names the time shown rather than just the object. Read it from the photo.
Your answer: 2:47
